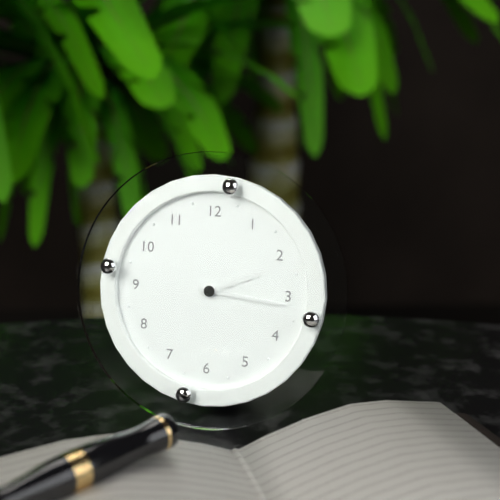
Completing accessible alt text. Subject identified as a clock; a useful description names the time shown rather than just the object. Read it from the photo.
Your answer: 2:16
